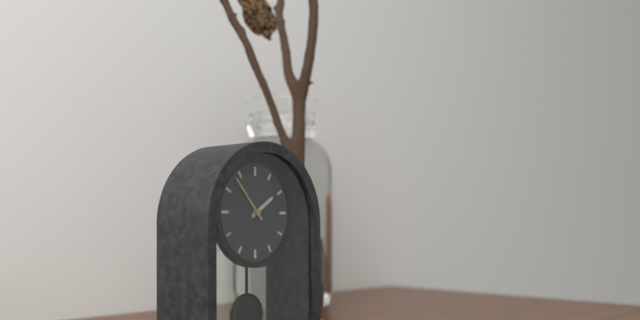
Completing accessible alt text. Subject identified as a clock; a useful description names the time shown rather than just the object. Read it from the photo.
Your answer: 1:53
